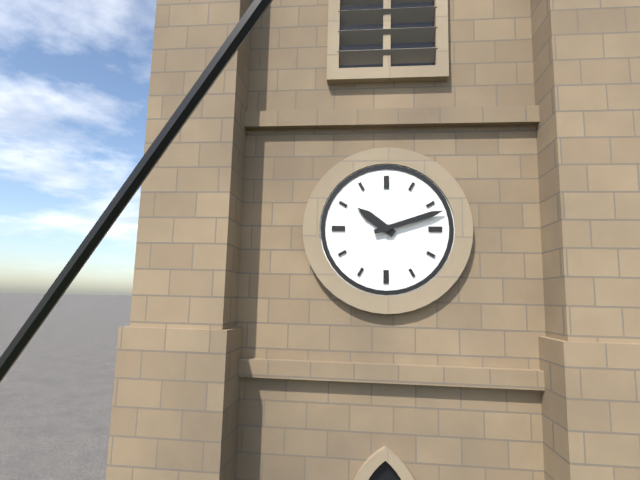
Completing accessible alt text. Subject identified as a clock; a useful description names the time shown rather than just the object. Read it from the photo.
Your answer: 10:12
